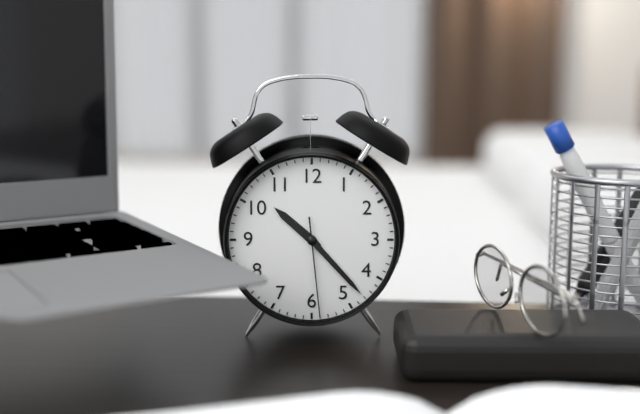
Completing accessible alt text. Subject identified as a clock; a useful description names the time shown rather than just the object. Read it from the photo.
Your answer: 10:23:29
